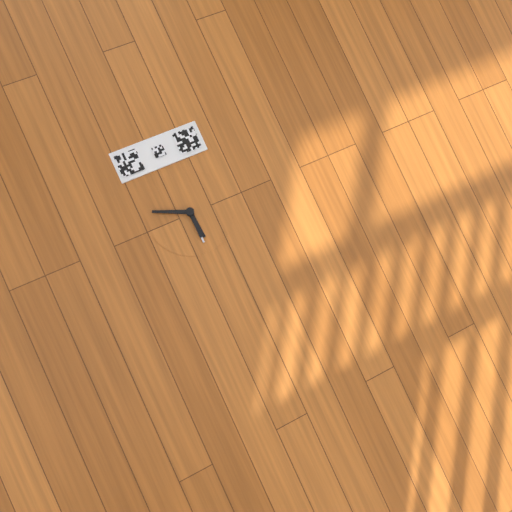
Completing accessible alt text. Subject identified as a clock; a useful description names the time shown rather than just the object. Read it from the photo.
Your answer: 5:49
